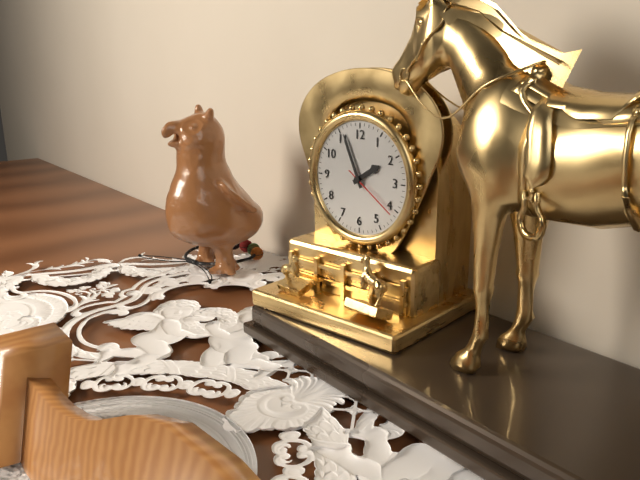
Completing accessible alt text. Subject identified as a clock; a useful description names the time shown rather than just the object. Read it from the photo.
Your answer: 1:56:21
